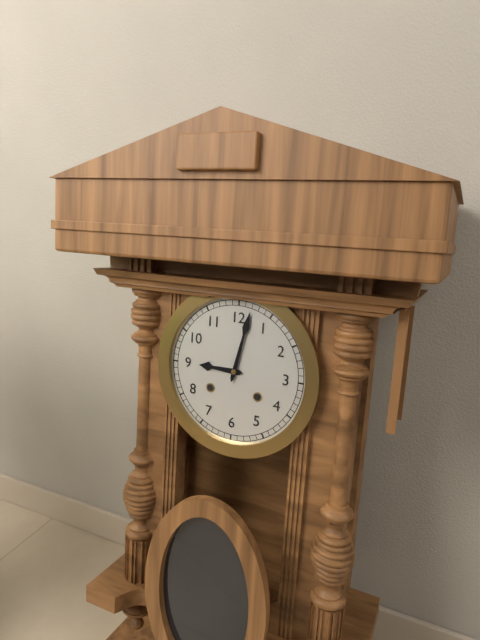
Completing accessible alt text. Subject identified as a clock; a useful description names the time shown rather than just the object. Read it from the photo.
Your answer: 9:02
